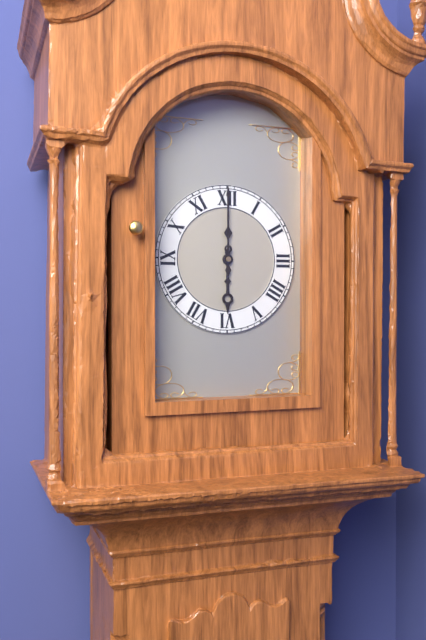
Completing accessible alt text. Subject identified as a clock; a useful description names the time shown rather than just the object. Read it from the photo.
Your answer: 6:00
